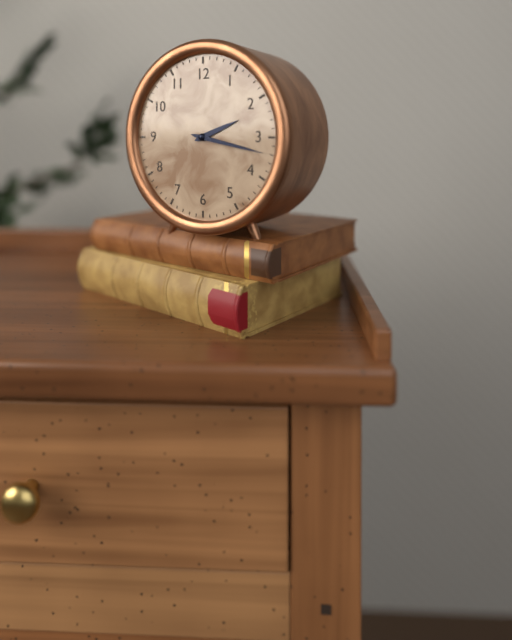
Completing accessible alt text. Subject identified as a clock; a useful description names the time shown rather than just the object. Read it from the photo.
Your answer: 2:17
